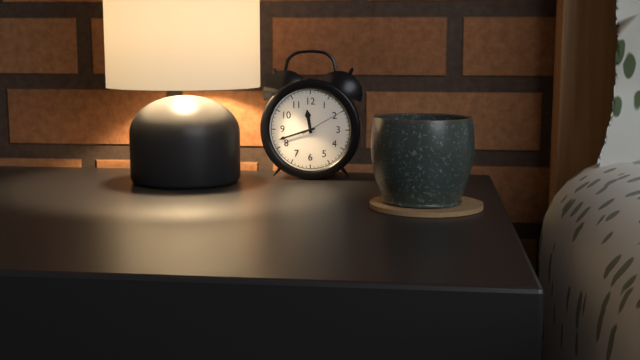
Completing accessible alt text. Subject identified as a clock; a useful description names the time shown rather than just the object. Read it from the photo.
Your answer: 11:42
